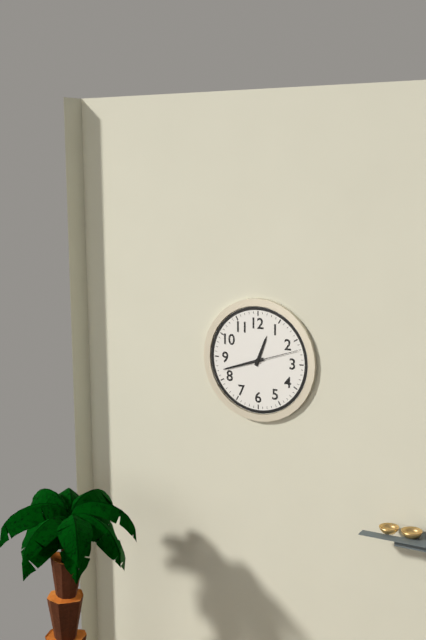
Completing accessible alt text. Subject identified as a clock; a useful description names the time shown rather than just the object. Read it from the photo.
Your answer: 12:42:12
